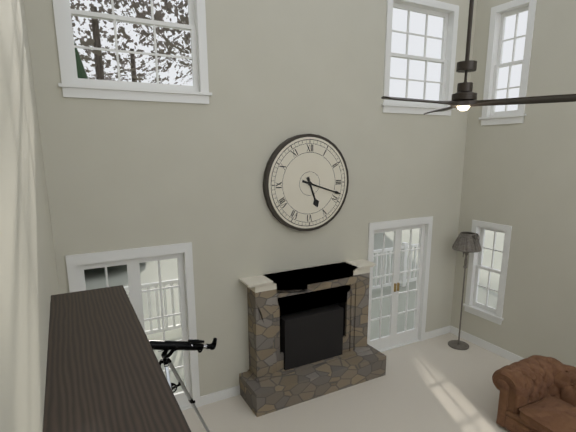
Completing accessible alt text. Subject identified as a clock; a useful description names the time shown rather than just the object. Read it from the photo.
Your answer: 5:18
